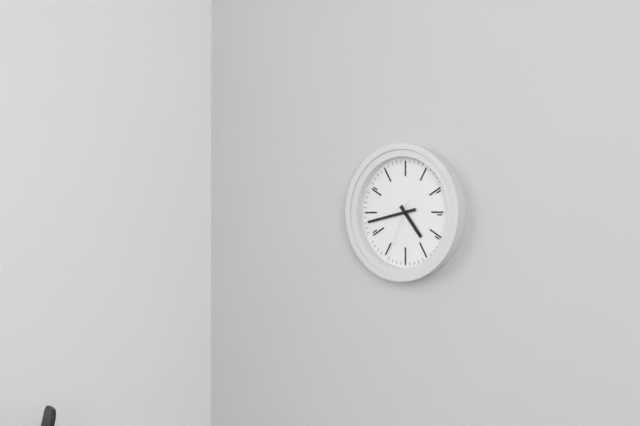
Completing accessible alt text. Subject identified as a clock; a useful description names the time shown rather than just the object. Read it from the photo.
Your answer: 4:43:34
